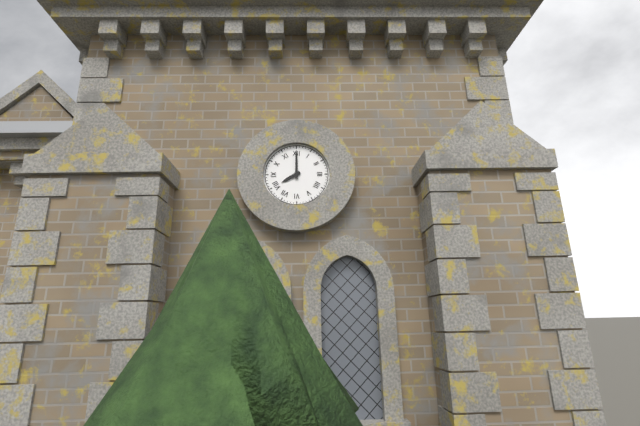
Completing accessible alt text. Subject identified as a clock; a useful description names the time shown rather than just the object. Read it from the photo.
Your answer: 8:00
